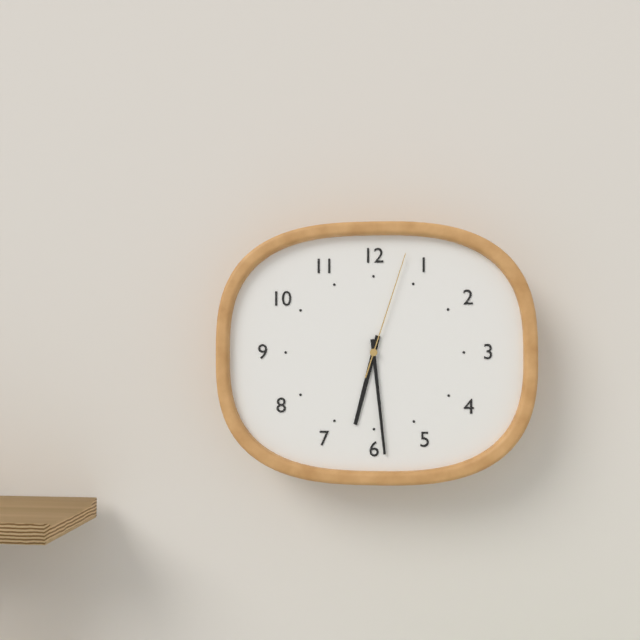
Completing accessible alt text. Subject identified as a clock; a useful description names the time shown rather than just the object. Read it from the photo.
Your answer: 6:29:03
